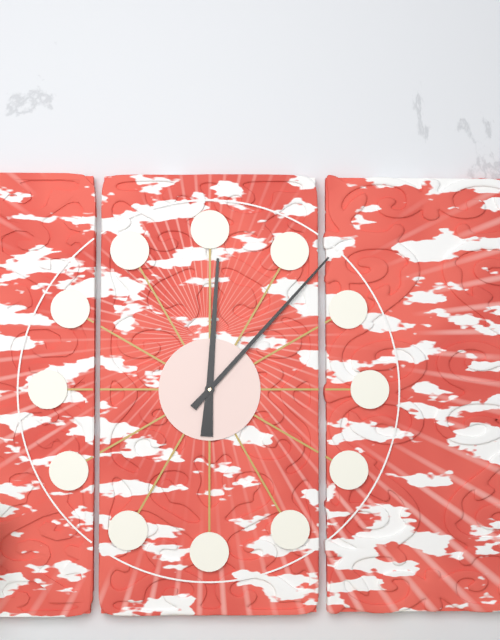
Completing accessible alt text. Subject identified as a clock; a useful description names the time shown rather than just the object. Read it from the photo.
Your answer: 12:07
